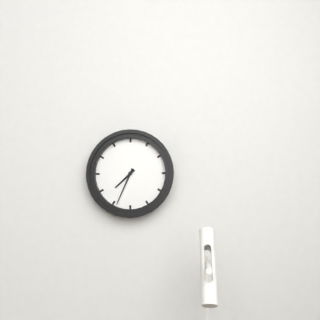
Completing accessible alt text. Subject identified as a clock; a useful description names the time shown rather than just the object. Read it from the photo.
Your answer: 7:34
